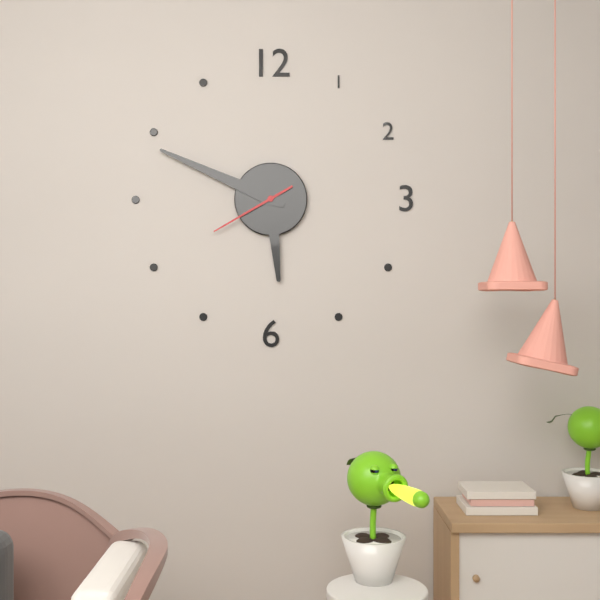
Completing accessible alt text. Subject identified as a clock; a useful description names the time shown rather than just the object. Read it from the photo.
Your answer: 5:49:40
